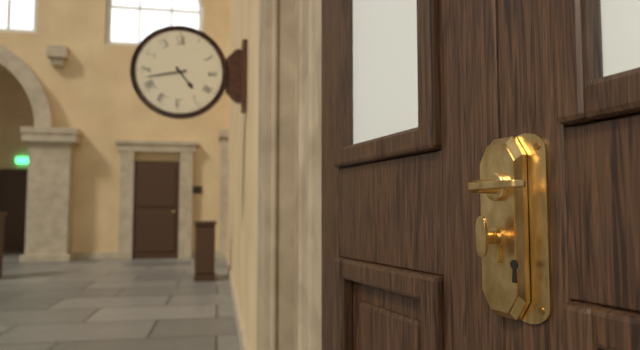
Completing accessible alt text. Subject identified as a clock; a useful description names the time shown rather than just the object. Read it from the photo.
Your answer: 4:43
